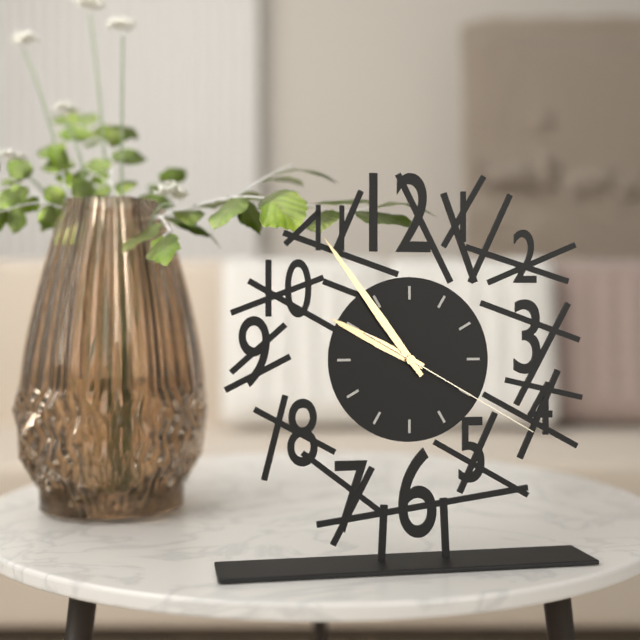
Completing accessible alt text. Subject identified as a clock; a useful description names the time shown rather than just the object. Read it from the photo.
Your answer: 9:54:20
